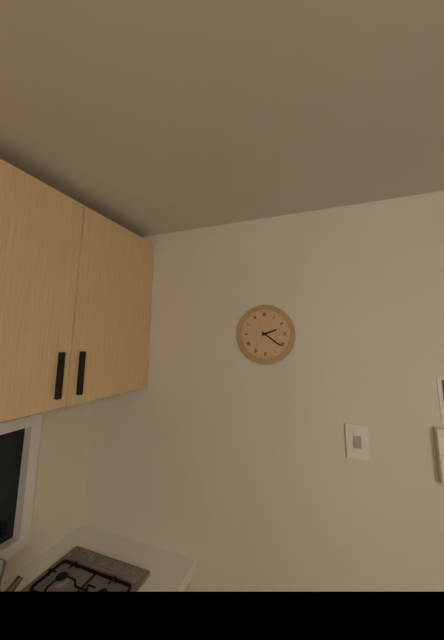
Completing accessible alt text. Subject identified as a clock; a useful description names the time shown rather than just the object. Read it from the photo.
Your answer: 2:21
